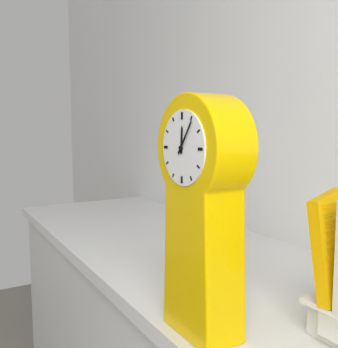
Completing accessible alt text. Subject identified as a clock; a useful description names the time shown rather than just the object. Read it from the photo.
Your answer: 12:06
